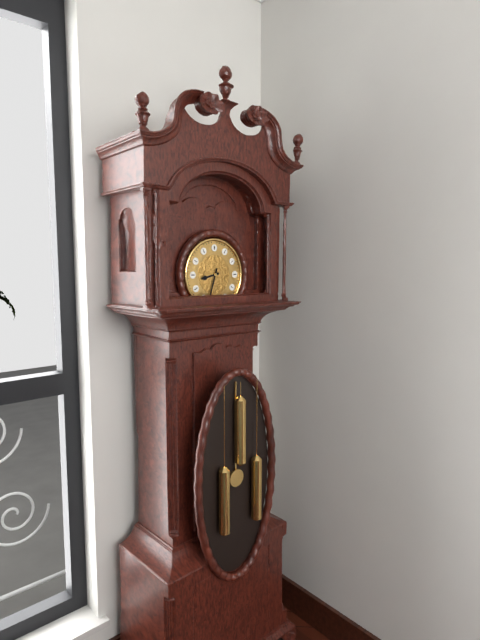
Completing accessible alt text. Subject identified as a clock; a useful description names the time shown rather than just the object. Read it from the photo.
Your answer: 8:33
